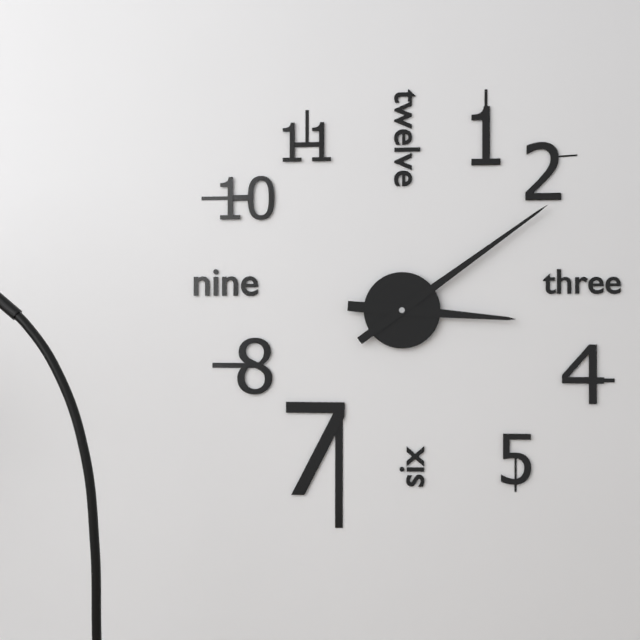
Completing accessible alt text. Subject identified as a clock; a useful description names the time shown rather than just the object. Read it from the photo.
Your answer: 3:09
